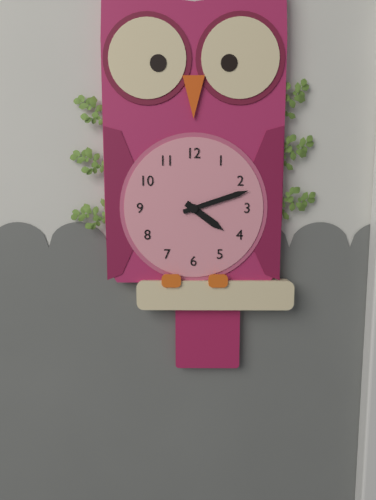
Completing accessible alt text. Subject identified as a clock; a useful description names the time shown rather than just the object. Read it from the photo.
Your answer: 4:12
